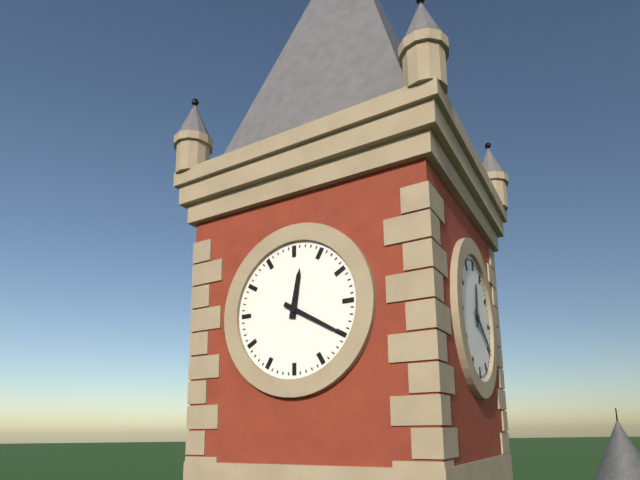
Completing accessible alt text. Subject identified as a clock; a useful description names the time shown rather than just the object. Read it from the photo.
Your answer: 12:20
